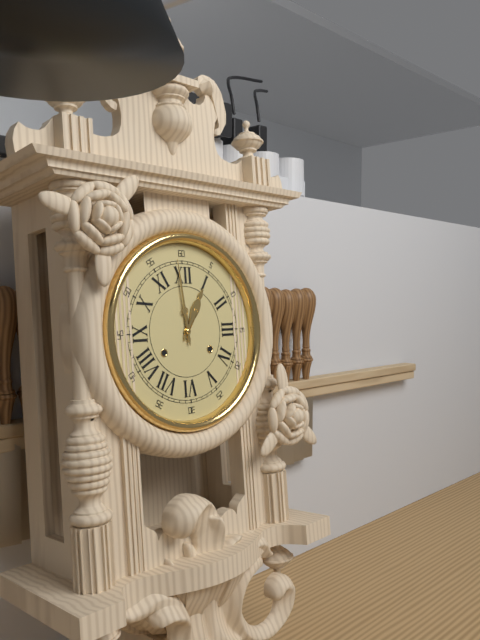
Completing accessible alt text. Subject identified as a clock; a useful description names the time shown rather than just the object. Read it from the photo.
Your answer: 12:59
